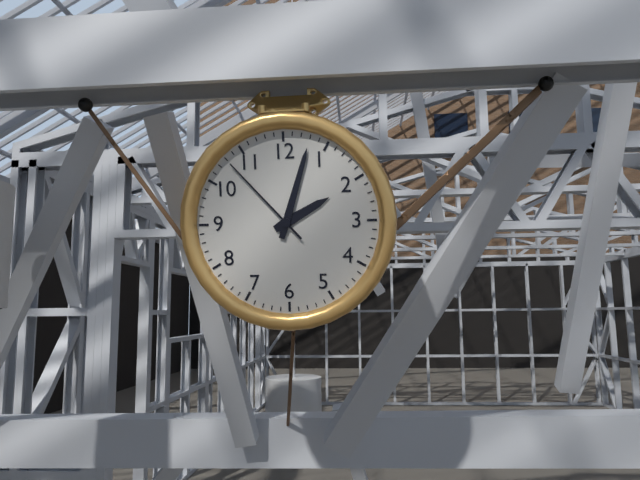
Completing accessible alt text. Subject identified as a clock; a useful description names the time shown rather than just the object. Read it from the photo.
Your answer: 2:03:53
